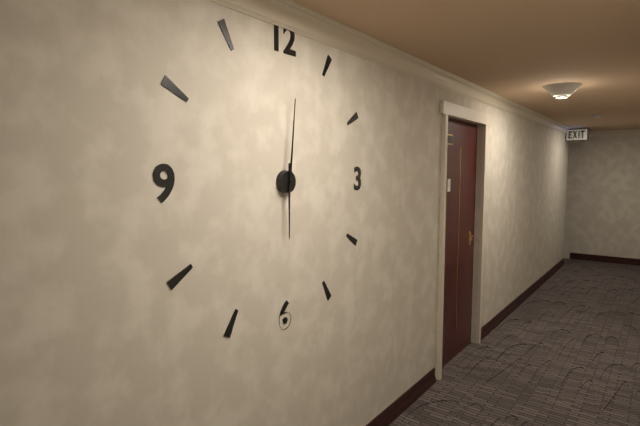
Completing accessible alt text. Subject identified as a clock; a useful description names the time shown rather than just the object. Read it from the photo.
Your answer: 6:01
